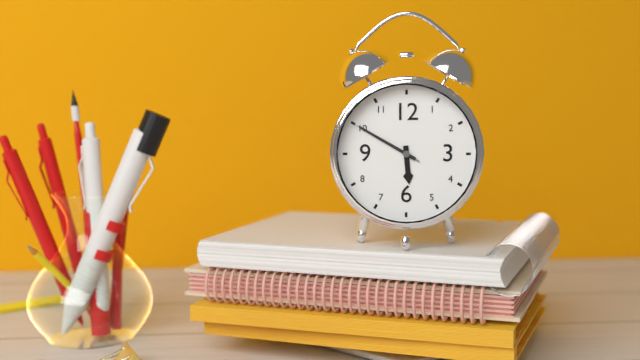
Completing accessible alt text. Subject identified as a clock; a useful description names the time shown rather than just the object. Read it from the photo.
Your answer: 5:50:50
